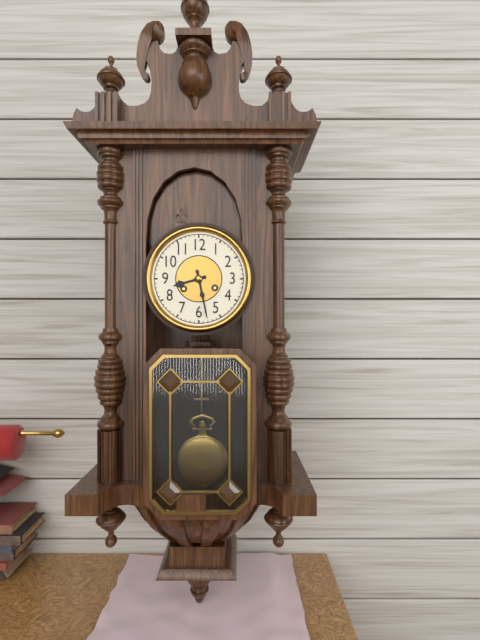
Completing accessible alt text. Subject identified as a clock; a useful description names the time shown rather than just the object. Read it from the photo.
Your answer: 8:28
